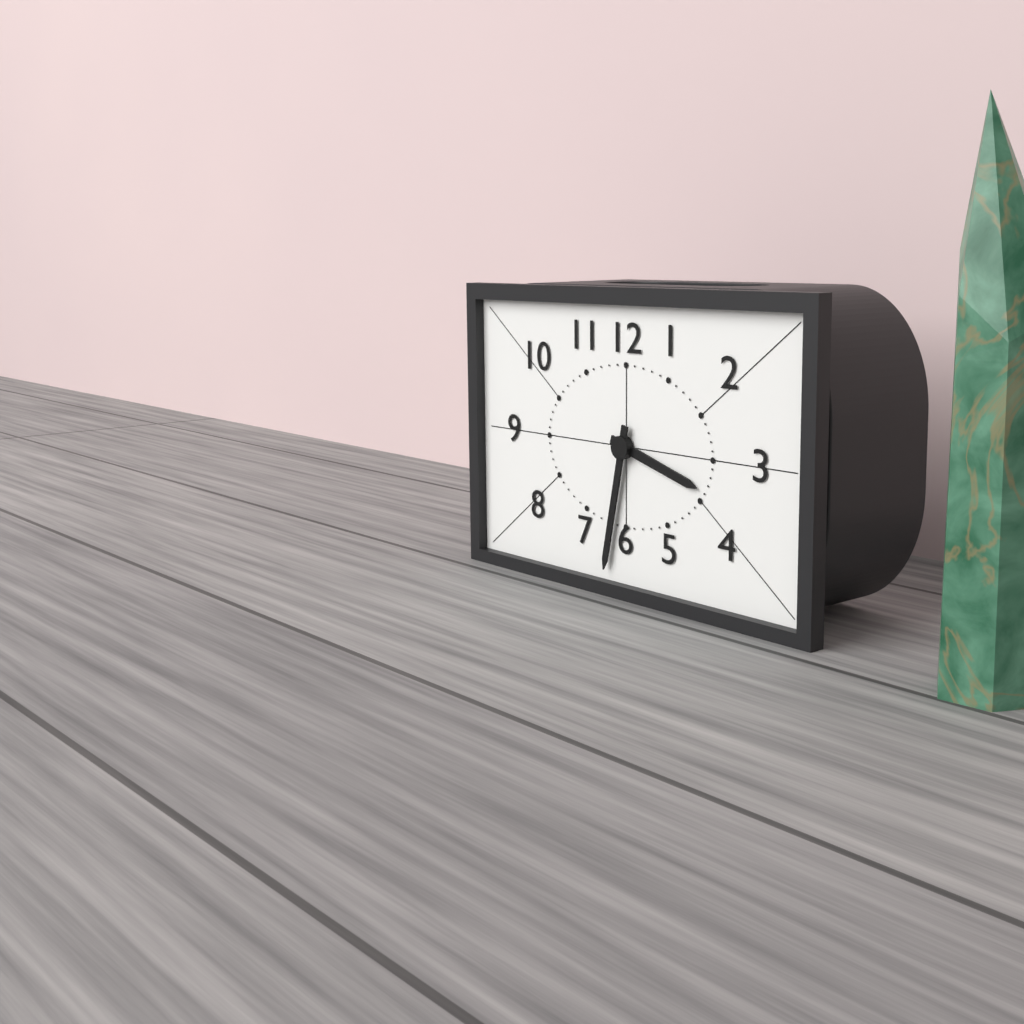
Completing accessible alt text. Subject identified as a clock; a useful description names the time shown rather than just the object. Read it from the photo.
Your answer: 3:32
